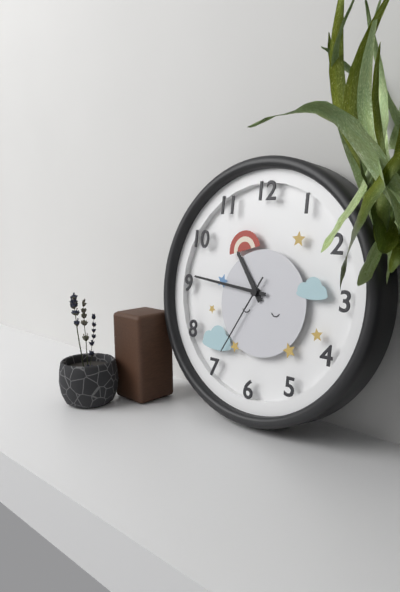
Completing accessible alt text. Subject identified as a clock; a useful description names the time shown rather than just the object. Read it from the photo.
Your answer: 10:46:35
